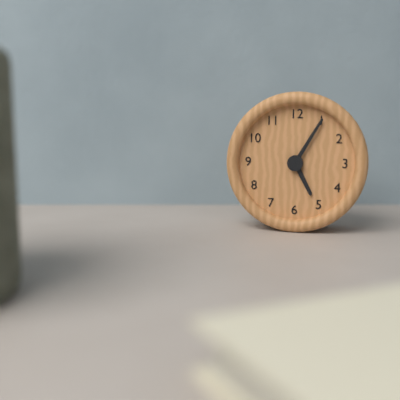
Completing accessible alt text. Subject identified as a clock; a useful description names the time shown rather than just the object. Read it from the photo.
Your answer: 5:05
